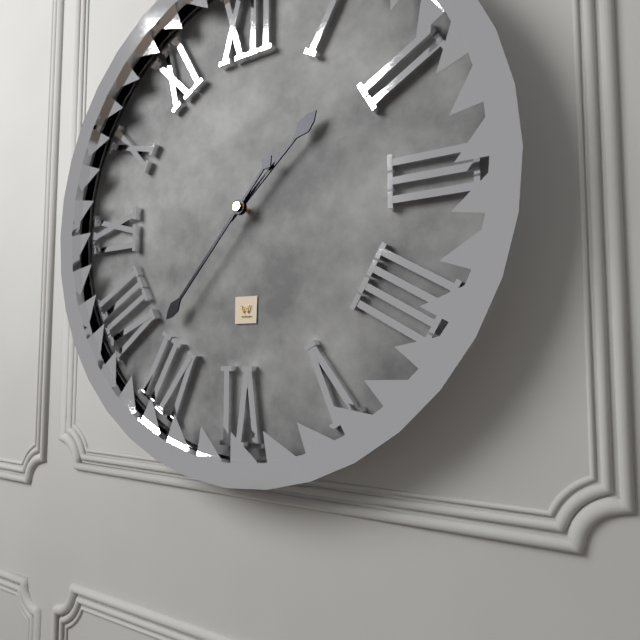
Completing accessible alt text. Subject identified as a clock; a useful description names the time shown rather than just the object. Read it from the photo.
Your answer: 1:37
